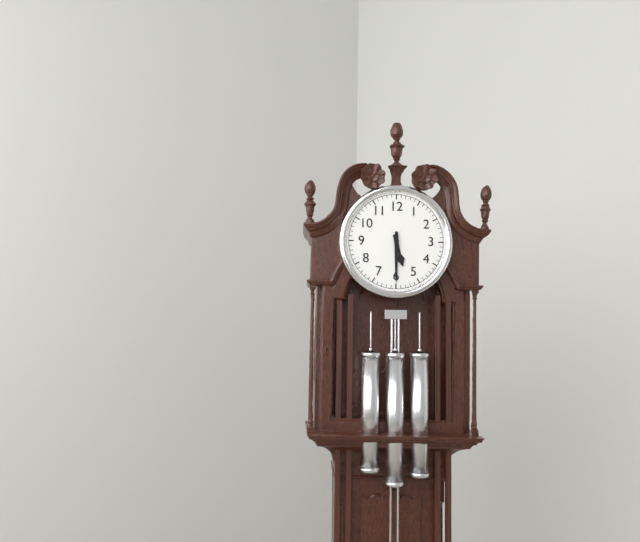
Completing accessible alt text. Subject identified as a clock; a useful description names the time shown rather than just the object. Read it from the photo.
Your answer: 5:30
